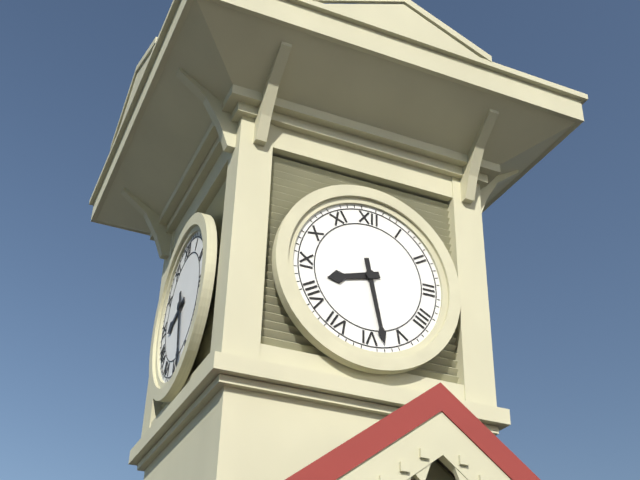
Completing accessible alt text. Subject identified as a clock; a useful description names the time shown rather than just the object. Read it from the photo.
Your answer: 8:28
